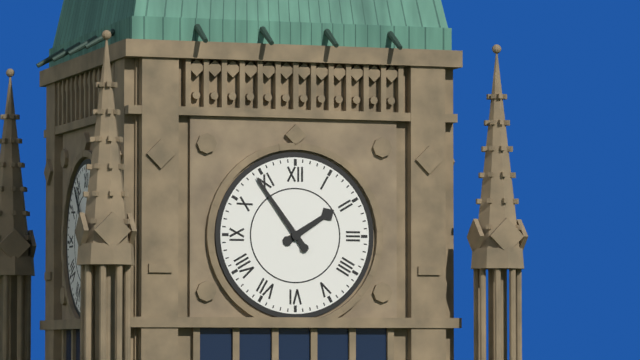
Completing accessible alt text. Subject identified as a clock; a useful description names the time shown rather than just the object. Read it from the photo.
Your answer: 1:54
